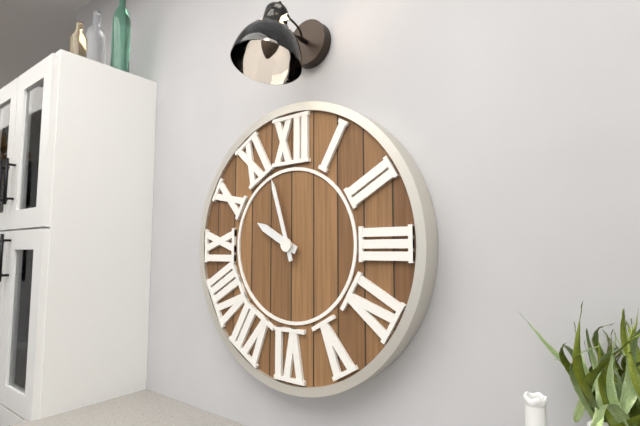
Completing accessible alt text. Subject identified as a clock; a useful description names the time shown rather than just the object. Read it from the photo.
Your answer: 9:57
